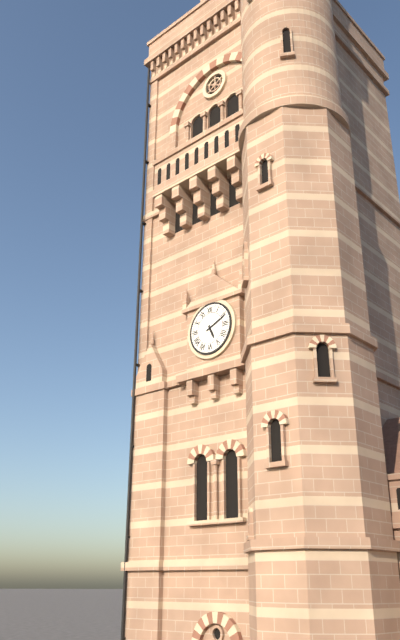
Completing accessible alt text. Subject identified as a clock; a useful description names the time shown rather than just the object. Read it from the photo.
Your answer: 5:11
